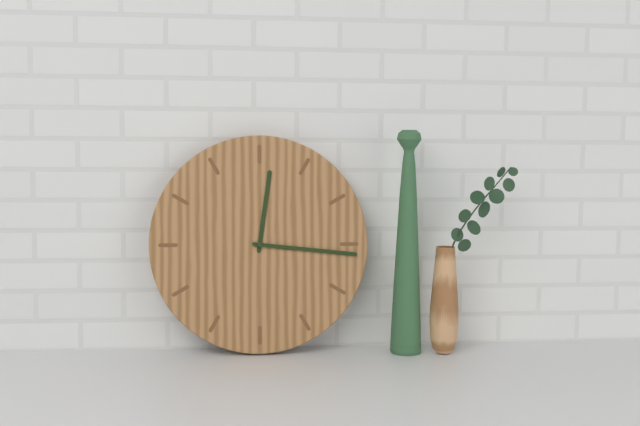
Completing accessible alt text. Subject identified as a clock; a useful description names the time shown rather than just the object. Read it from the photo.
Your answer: 12:16
